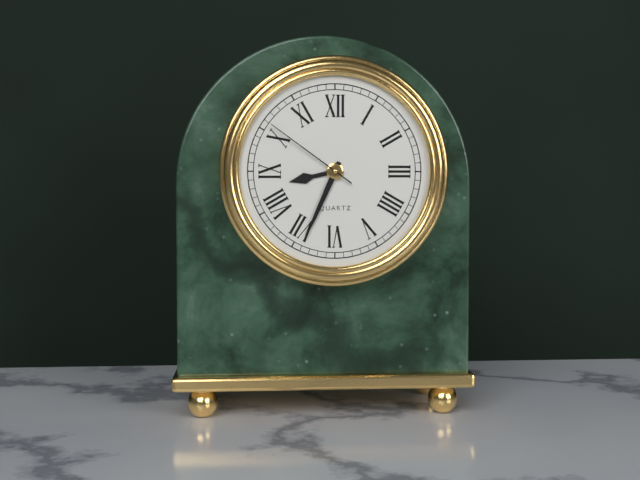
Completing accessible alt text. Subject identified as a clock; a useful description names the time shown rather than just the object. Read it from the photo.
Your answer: 8:34:51
